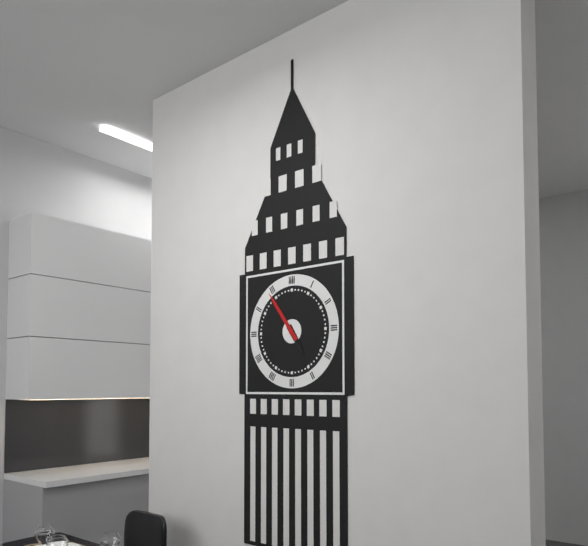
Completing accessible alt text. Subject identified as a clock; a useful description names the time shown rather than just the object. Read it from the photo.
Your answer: 4:54
